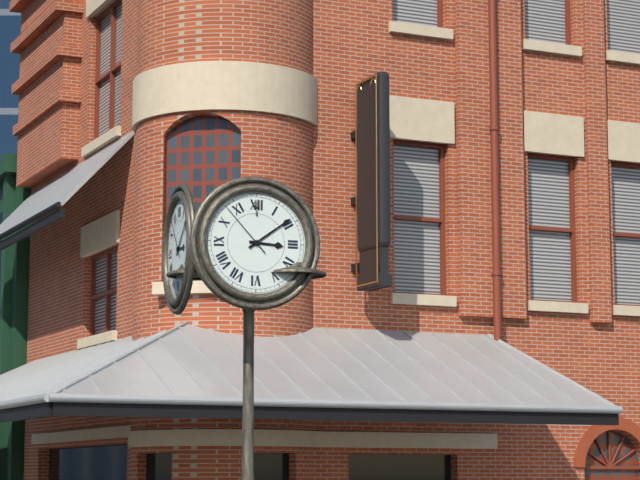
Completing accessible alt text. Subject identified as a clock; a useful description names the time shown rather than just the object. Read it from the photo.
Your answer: 3:09:53
